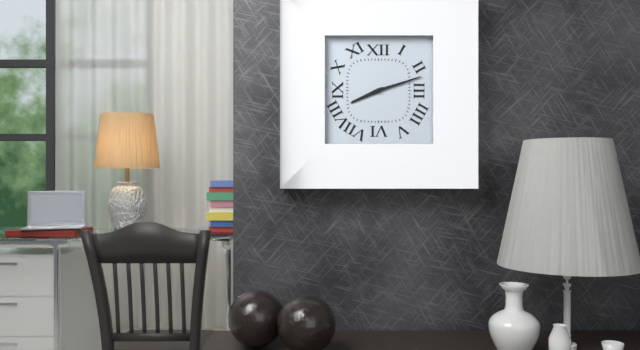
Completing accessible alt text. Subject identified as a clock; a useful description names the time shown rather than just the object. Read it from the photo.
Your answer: 8:12
